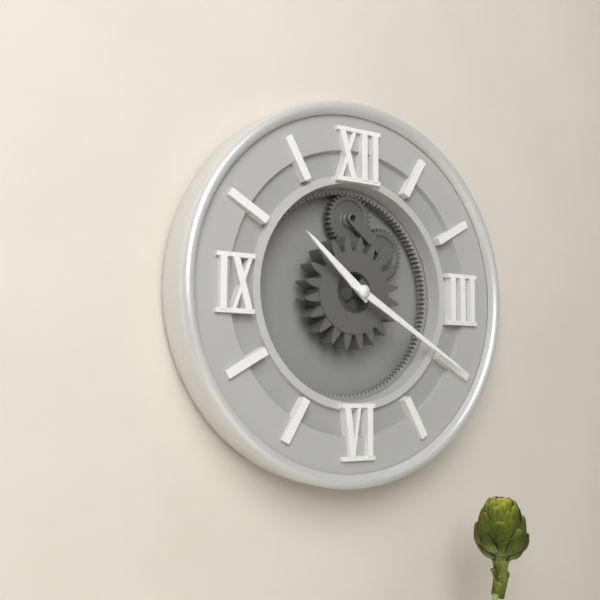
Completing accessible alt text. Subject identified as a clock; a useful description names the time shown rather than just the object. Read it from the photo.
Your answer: 10:20
